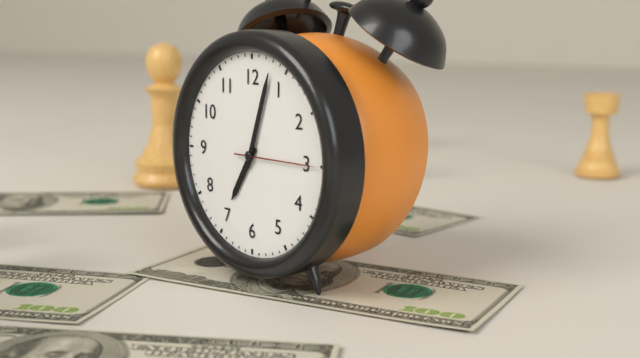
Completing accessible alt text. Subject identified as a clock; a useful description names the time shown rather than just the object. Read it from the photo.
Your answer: 7:03:15
